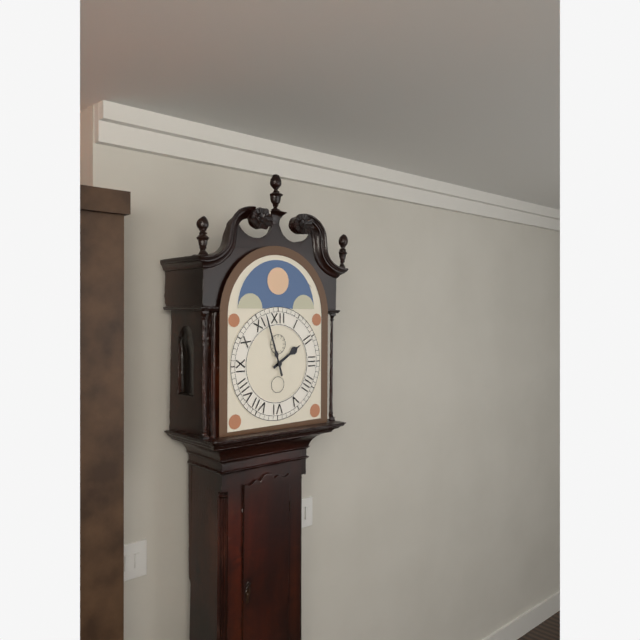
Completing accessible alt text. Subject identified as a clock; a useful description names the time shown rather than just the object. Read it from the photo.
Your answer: 1:57
